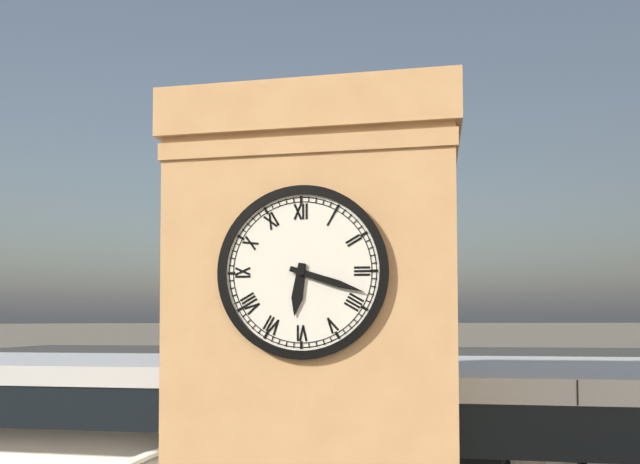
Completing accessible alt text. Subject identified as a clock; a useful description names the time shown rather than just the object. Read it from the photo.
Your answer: 6:18
